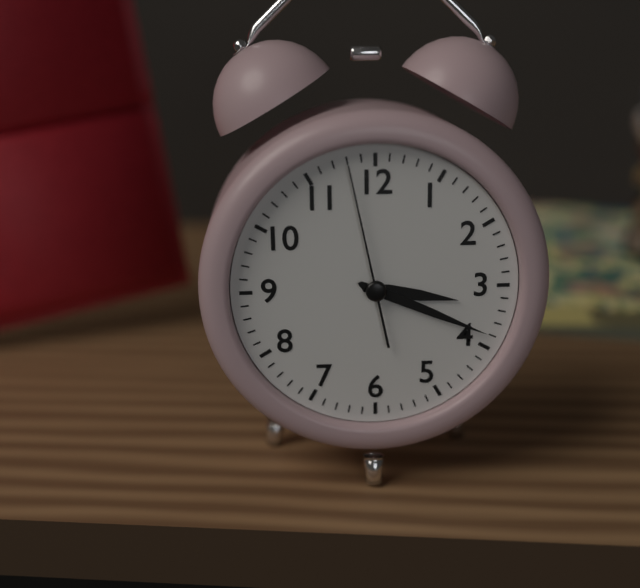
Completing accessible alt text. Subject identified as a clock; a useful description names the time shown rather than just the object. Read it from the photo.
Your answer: 3:19:58
